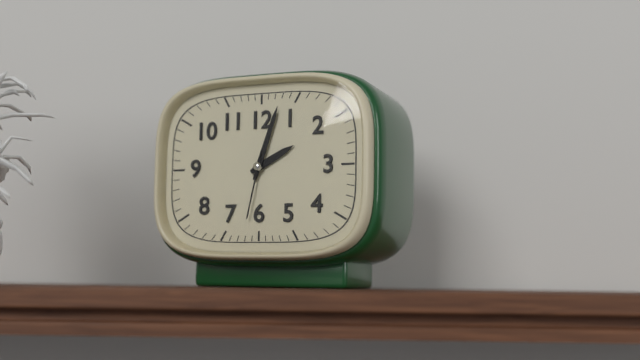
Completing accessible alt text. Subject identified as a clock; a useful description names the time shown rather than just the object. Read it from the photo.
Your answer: 2:03:32
